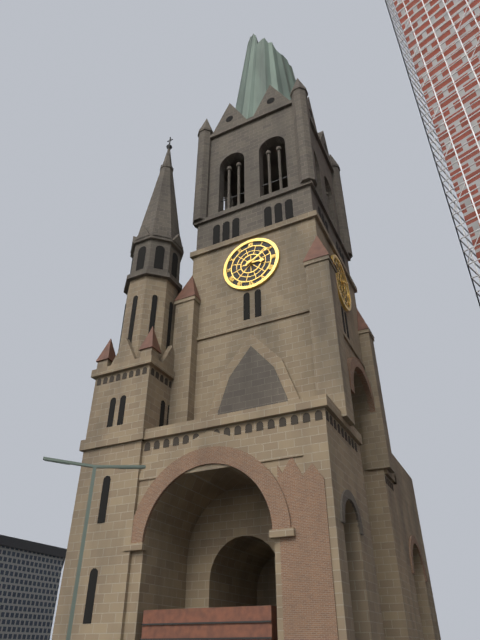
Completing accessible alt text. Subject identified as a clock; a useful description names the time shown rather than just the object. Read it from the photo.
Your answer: 3:10
